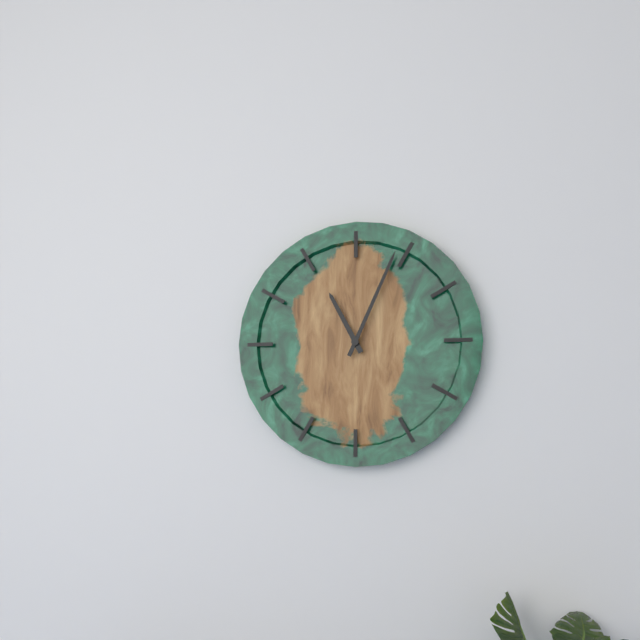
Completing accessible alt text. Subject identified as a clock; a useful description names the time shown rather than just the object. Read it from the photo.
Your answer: 11:04
